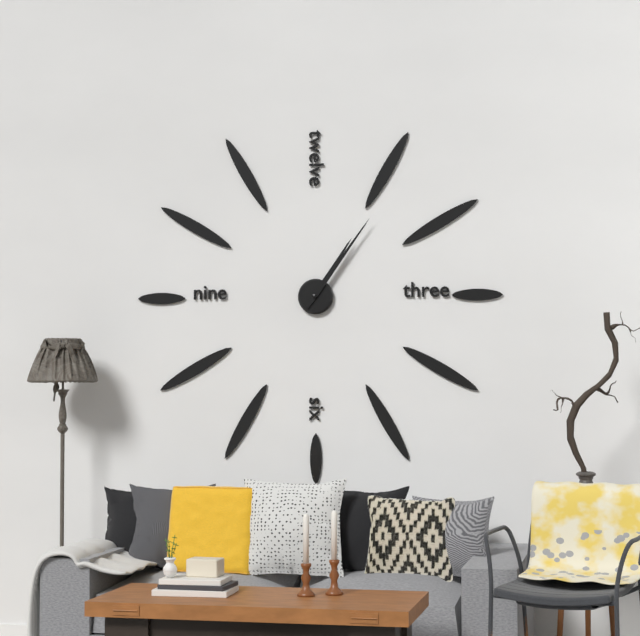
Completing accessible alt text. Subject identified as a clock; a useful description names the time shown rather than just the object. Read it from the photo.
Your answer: 1:06
